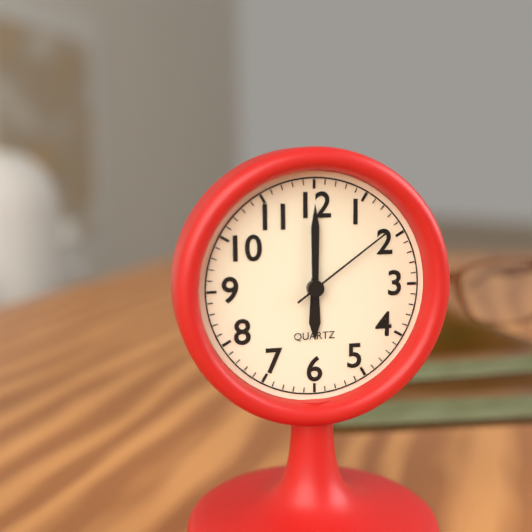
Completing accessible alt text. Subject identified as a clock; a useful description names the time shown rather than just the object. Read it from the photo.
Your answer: 6:00:09
